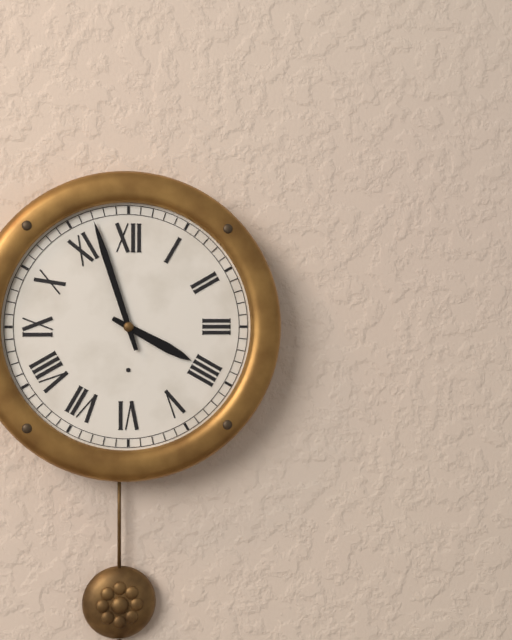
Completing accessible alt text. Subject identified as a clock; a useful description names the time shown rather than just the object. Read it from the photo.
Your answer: 3:57
